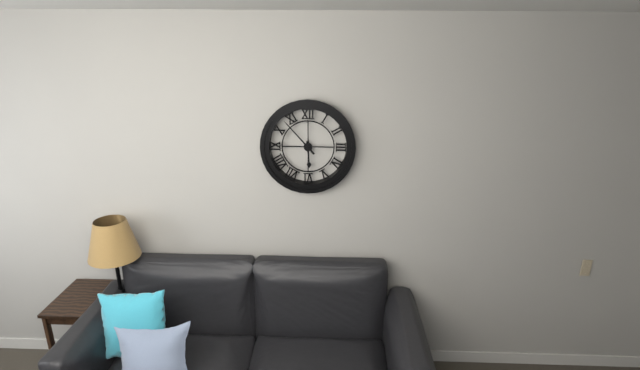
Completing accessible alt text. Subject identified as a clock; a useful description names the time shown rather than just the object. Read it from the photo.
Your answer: 5:53
